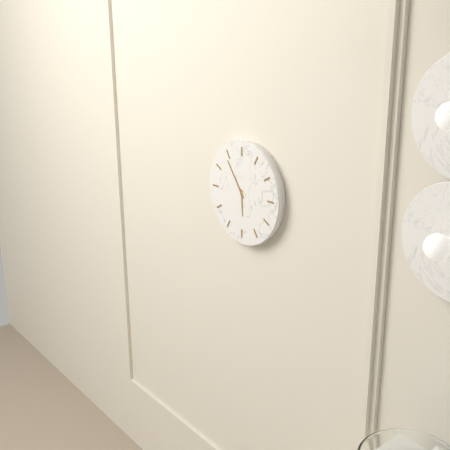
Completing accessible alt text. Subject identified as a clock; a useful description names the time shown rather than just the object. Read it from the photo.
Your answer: 5:54
